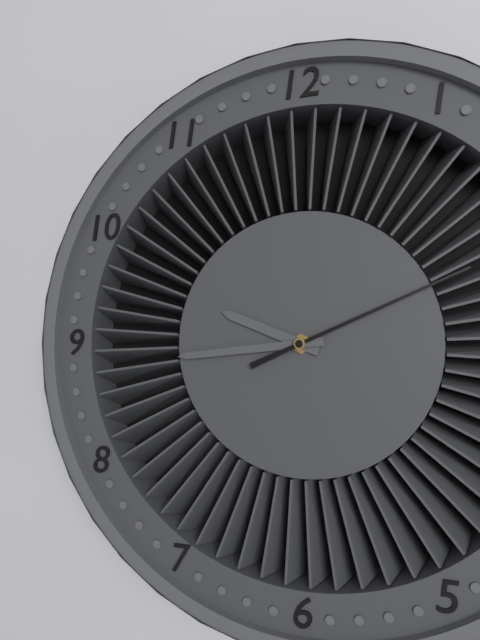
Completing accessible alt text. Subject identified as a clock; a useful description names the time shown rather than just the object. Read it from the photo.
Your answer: 9:44:11
